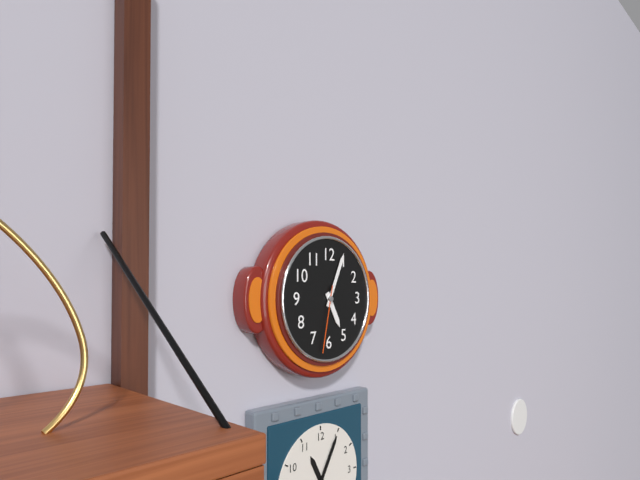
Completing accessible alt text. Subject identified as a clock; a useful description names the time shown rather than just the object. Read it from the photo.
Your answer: 5:04:32
